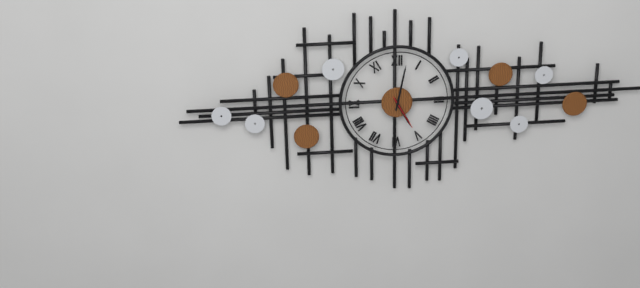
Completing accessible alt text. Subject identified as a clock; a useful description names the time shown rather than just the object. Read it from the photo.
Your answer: 5:02
